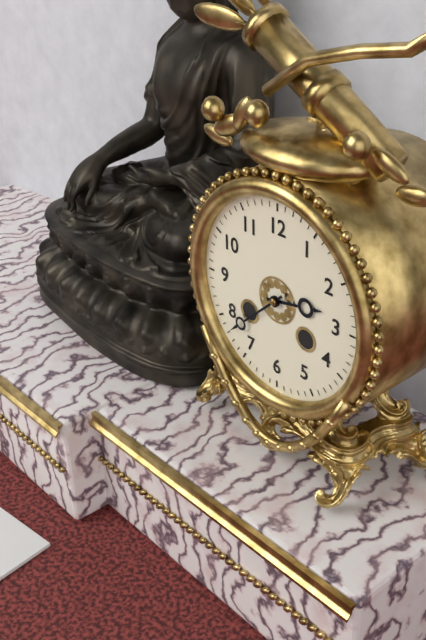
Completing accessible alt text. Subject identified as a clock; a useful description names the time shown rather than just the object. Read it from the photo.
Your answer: 2:38
